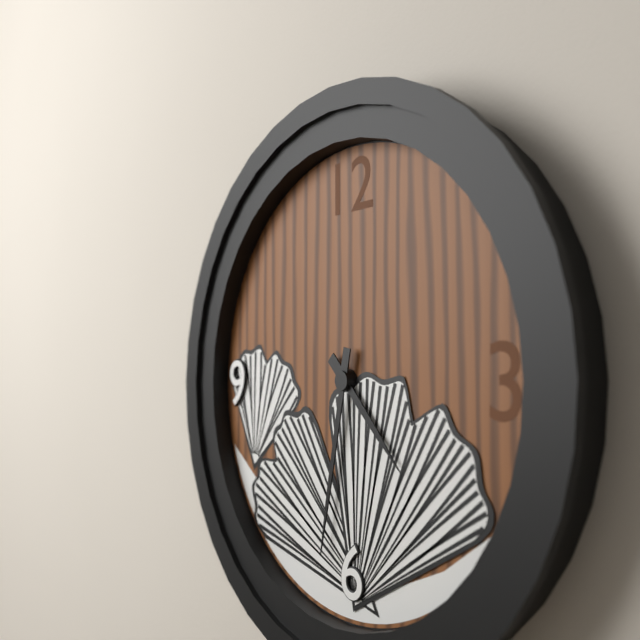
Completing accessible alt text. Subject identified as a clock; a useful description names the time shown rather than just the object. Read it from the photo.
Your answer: 4:32
